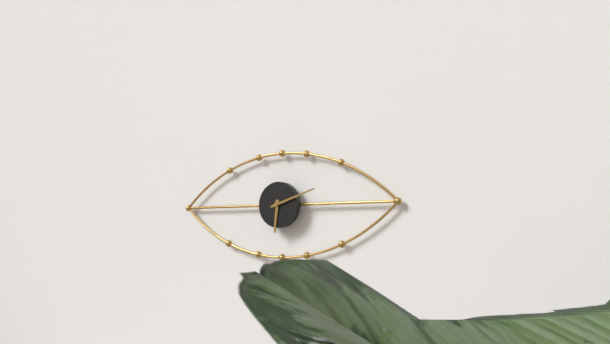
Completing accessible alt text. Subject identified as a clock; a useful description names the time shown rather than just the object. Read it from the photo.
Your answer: 6:12
